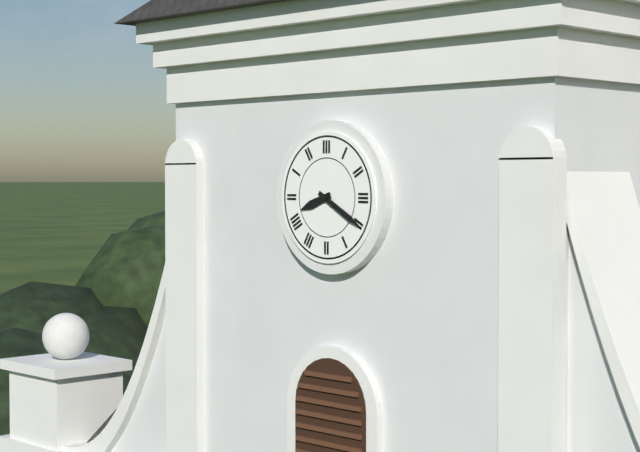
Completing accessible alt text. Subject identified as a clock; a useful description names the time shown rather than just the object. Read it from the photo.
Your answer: 8:20
